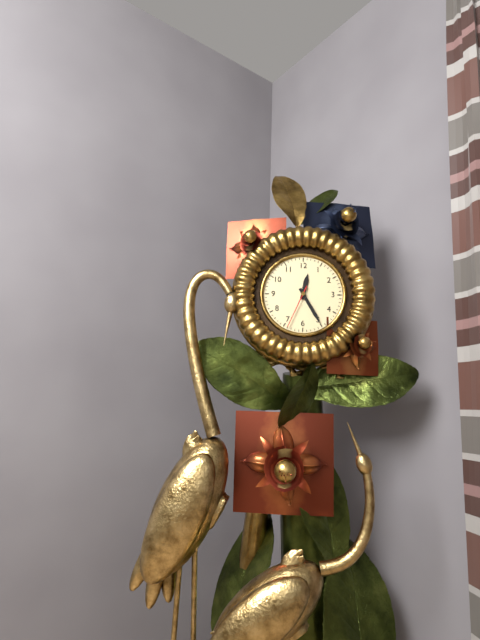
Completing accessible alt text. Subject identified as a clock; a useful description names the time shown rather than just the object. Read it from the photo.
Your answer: 12:25
